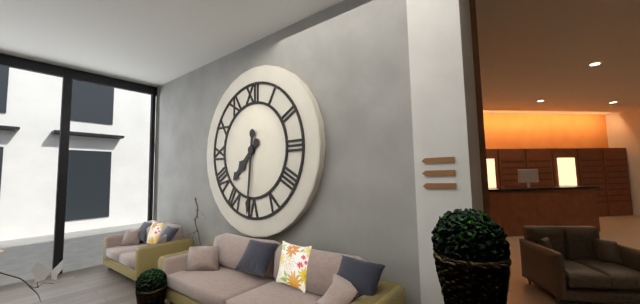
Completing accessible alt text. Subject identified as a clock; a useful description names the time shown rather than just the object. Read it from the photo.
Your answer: 7:31
